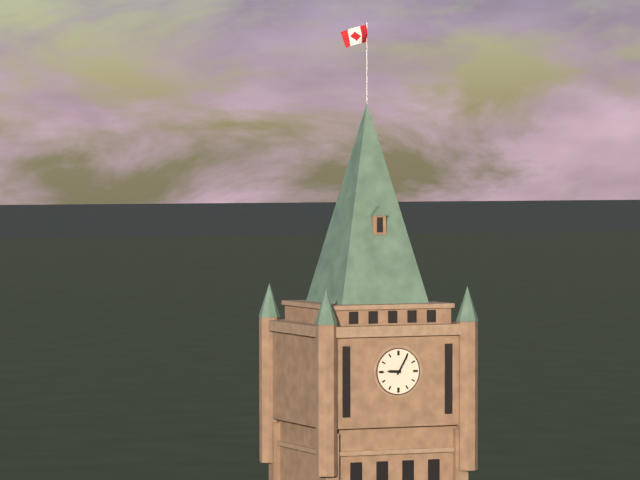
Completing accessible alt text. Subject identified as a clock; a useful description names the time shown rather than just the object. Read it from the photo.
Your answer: 9:05
